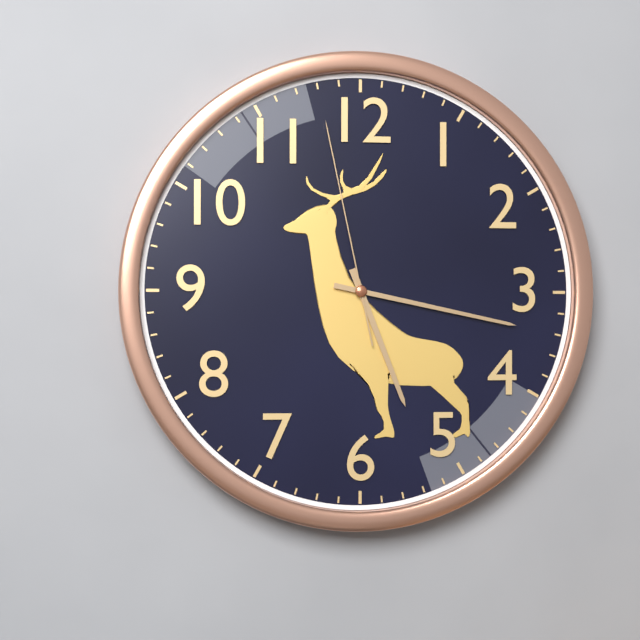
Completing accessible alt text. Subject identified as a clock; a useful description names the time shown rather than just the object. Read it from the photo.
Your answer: 5:17:58
